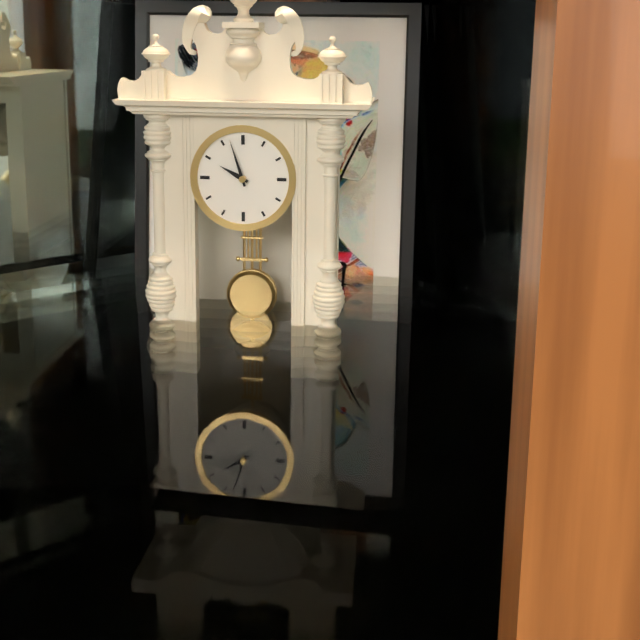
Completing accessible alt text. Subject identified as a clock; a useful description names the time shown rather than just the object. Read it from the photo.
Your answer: 9:57
